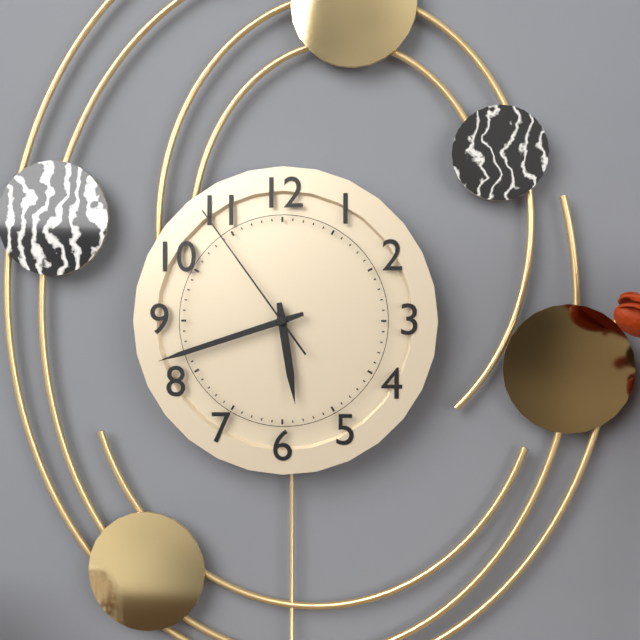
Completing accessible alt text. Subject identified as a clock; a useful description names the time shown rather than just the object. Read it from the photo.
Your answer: 5:42:54
